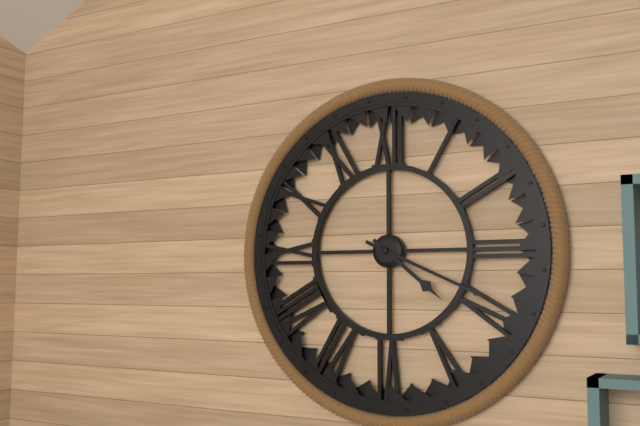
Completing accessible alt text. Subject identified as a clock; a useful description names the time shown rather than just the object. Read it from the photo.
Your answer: 4:19
